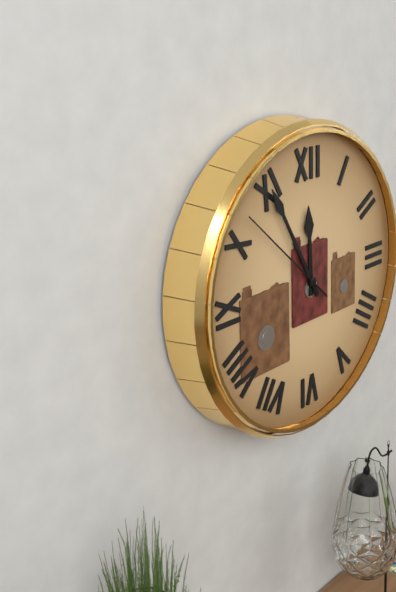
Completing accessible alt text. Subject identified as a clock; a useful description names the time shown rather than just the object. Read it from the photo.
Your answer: 11:55:52
